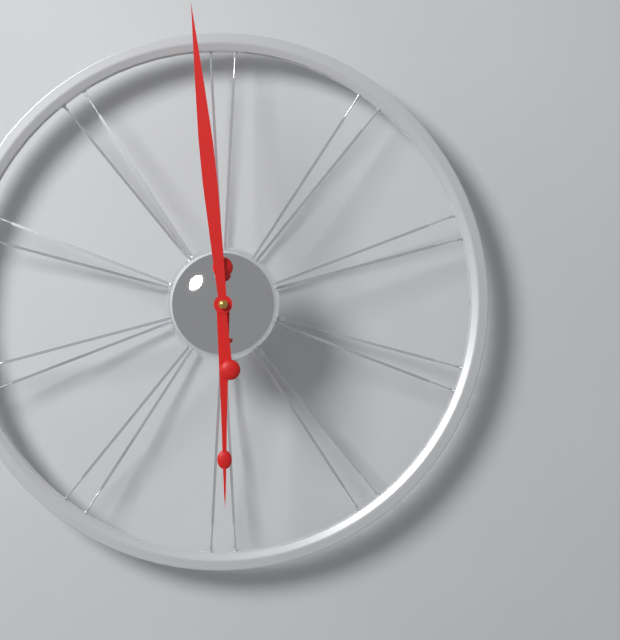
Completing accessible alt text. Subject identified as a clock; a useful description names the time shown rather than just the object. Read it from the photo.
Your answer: 5:59
